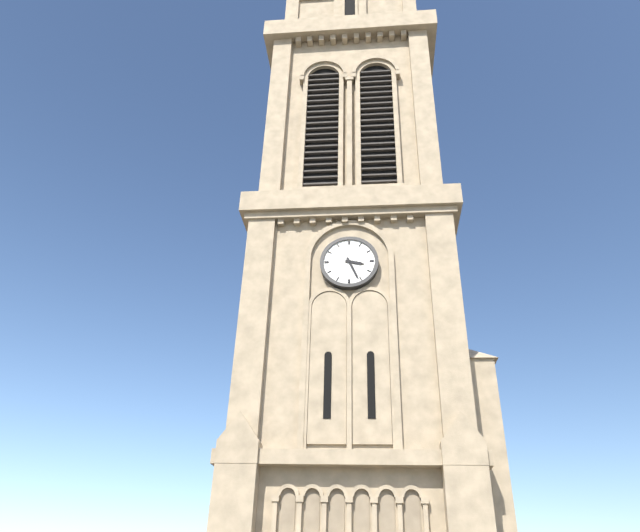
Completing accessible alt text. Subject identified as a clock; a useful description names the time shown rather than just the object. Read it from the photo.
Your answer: 3:26
